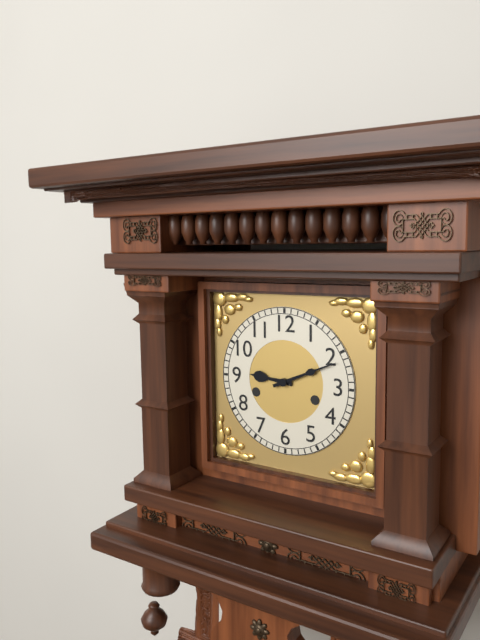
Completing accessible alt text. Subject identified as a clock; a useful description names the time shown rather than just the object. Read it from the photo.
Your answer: 9:11
